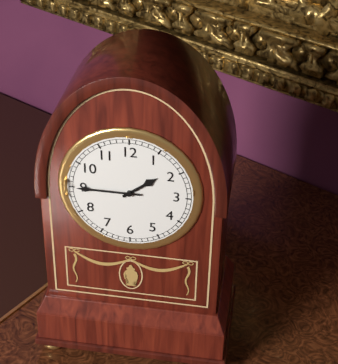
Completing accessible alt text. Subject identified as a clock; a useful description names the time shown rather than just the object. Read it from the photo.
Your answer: 1:45
